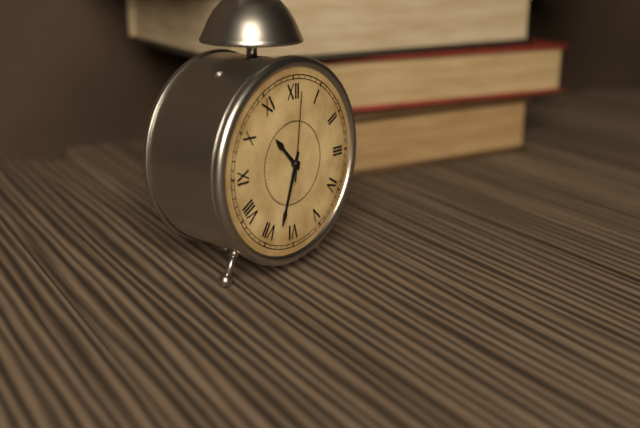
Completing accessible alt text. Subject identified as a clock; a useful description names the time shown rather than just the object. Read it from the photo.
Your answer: 10:33:01
